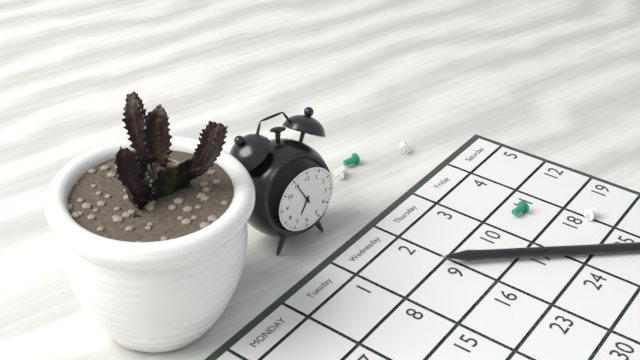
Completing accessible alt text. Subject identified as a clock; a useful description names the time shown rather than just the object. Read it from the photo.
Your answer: 6:55
